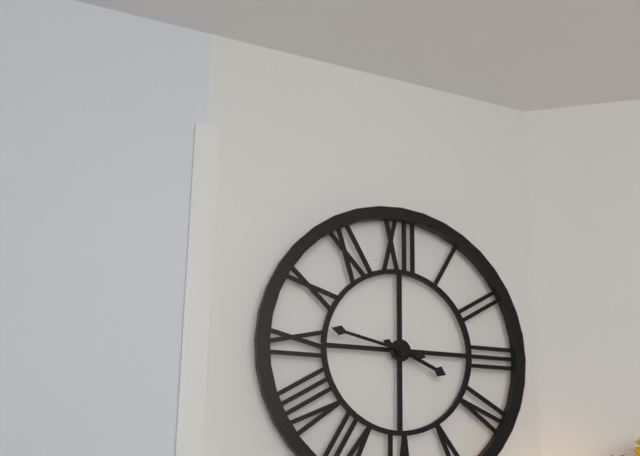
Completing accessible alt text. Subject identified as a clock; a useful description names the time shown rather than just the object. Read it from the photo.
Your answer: 3:47
